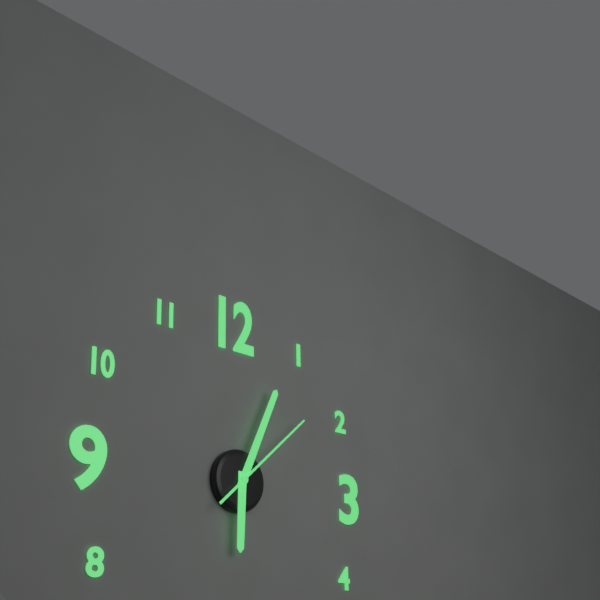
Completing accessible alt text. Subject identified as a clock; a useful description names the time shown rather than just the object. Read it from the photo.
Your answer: 6:04:08
